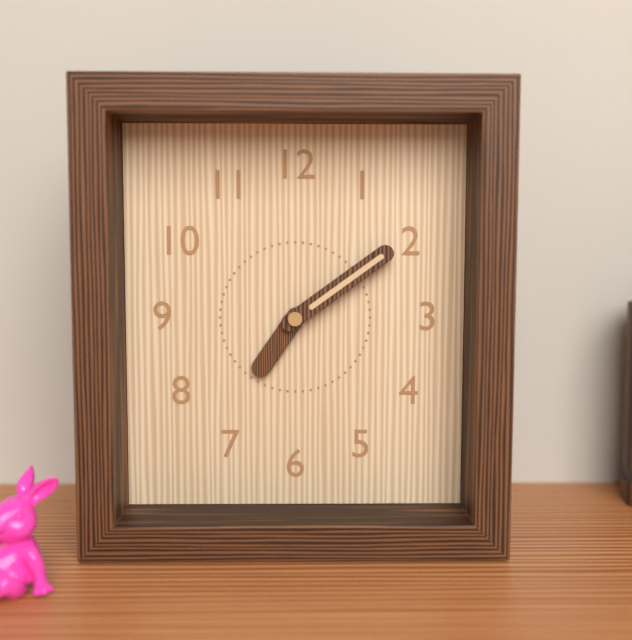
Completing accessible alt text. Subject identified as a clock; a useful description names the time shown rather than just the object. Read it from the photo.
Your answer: 7:09
